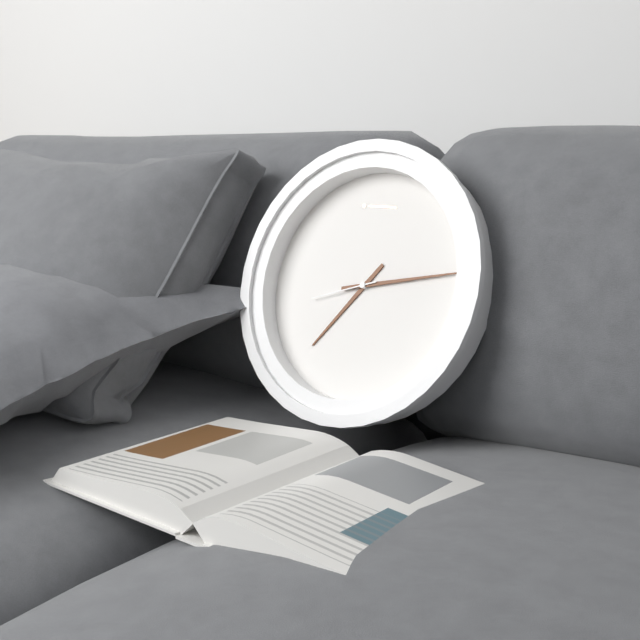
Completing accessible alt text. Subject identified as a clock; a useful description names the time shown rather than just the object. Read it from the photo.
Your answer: 7:13:42
